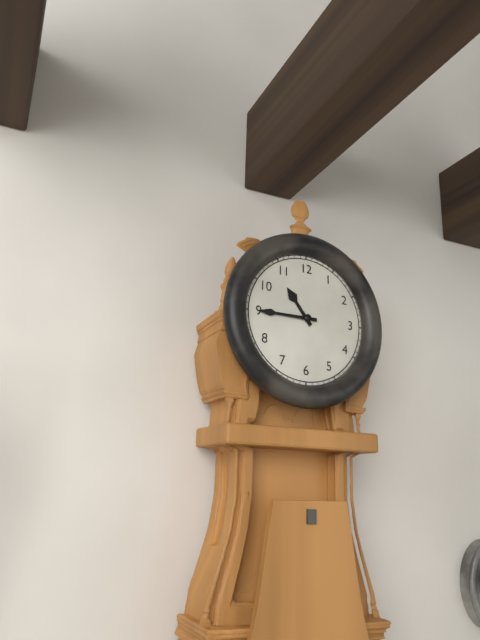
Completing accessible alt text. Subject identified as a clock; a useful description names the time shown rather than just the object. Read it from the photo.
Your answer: 10:45
